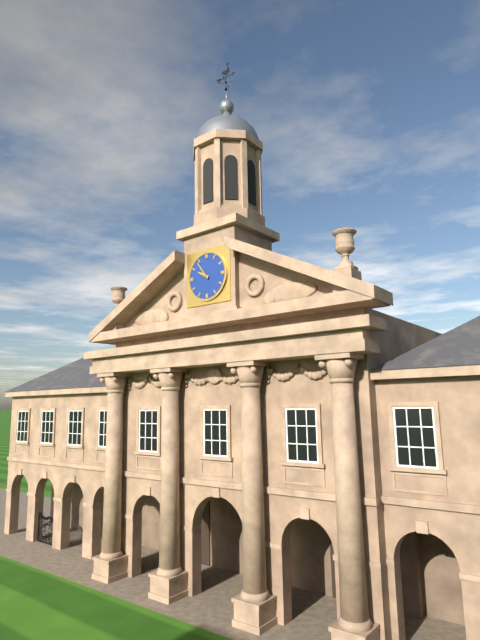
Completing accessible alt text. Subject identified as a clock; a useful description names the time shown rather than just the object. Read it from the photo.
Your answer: 9:54
